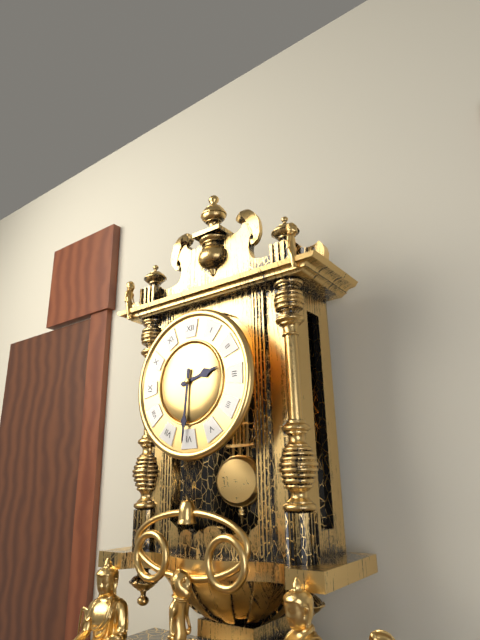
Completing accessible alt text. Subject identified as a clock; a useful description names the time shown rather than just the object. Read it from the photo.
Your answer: 2:31
